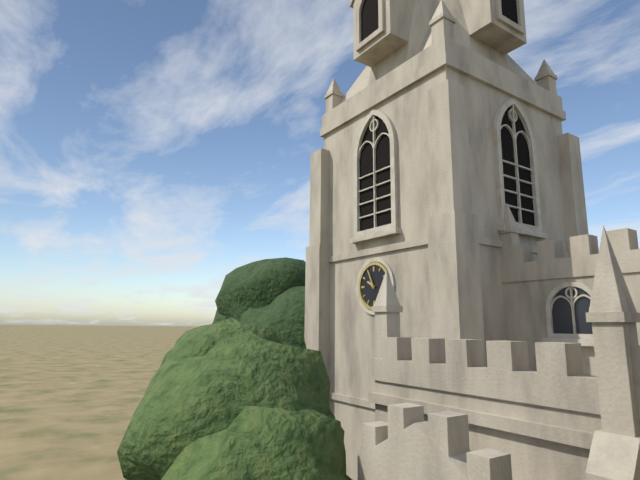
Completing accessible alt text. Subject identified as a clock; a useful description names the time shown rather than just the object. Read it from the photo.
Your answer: 9:56
